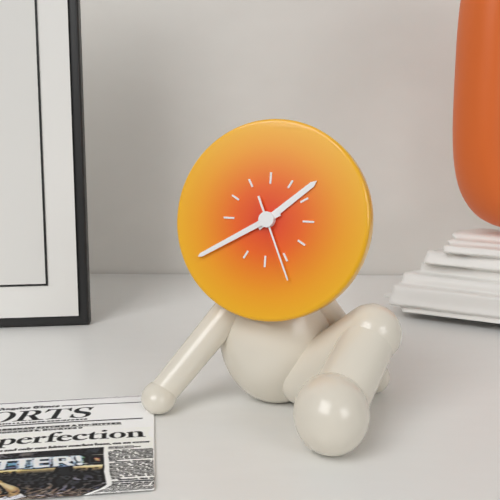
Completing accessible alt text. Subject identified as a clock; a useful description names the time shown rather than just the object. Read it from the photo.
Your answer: 1:40:26
